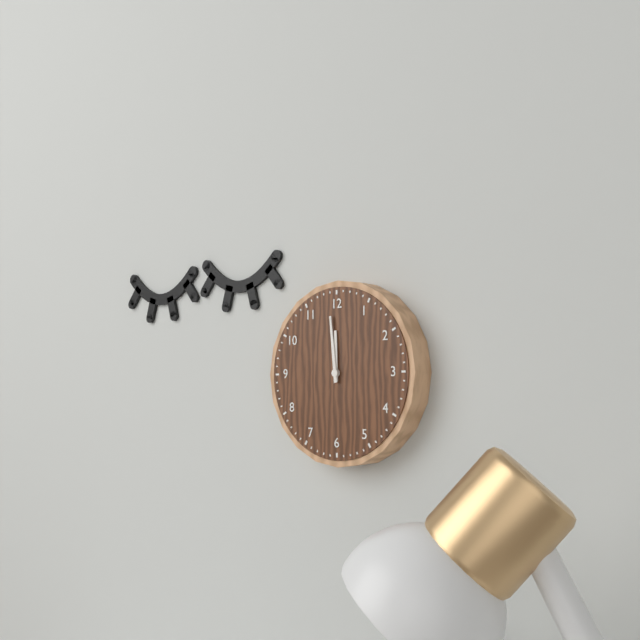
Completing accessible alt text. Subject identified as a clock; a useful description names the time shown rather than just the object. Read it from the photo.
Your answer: 11:59
